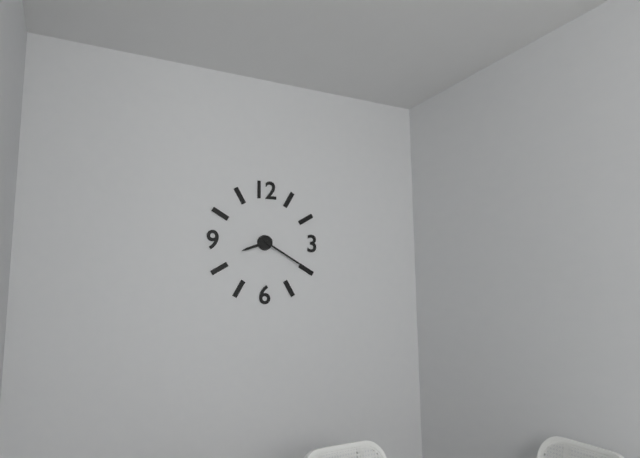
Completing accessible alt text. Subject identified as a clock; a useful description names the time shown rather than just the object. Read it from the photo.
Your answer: 8:20
